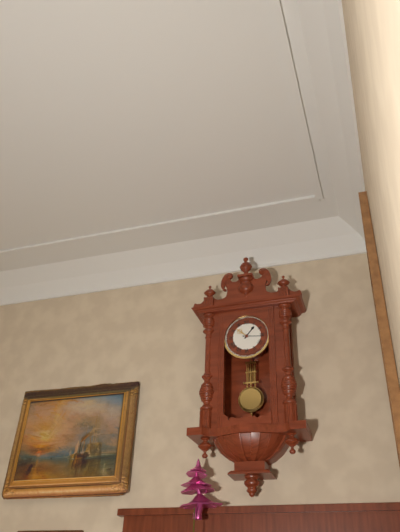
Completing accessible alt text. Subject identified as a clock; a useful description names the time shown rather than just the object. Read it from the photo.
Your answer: 1:16
